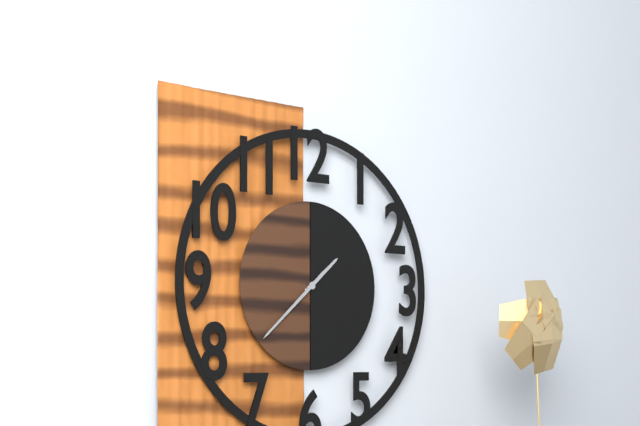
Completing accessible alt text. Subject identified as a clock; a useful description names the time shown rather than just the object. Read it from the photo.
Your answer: 1:38
